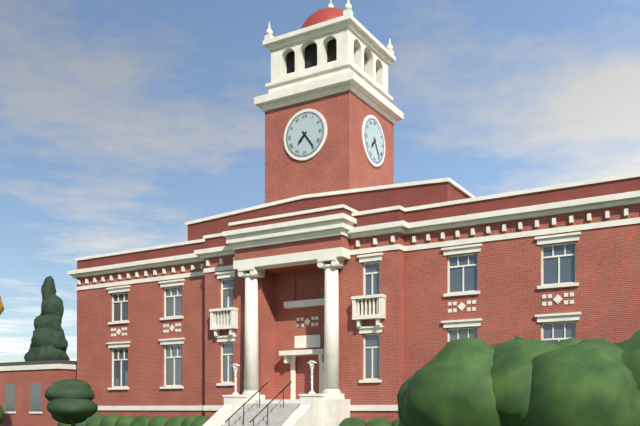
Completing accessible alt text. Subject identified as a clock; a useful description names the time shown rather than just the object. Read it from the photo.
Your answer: 7:24
